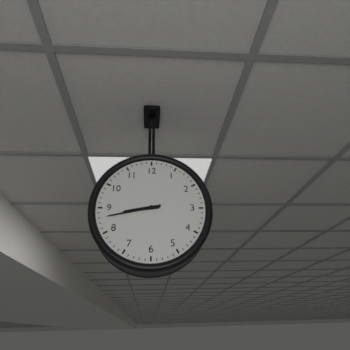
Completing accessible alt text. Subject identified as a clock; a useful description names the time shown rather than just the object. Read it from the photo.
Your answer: 8:43
